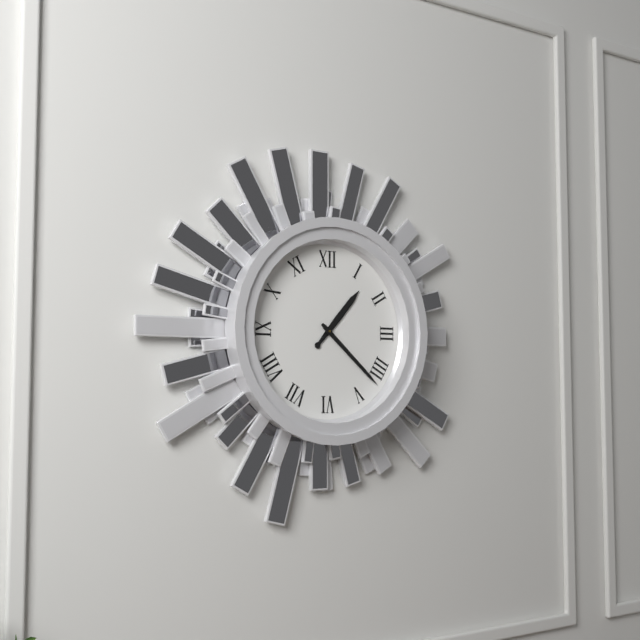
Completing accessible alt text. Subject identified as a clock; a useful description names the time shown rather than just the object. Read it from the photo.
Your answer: 1:22
